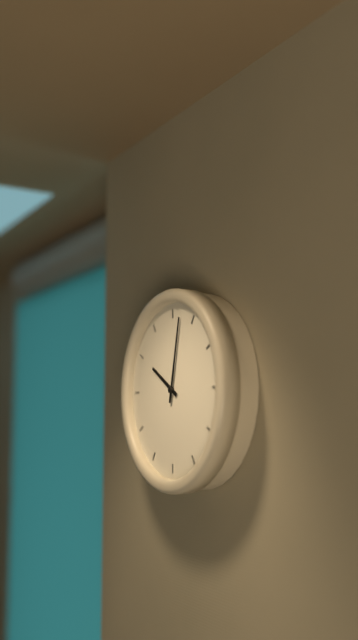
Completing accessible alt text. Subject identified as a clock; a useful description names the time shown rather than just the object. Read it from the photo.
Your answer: 10:02
